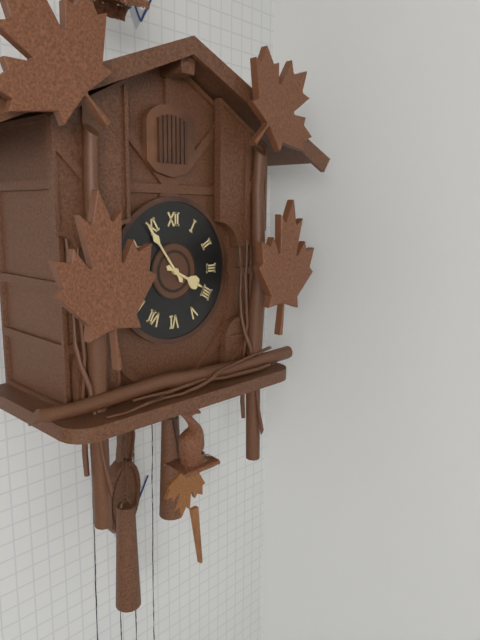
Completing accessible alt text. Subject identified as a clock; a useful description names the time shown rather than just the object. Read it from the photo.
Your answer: 3:54
